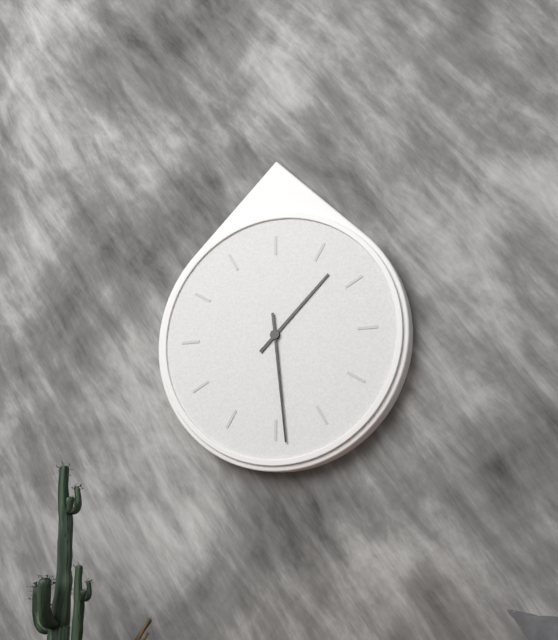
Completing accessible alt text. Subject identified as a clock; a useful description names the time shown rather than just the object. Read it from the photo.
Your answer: 1:29
